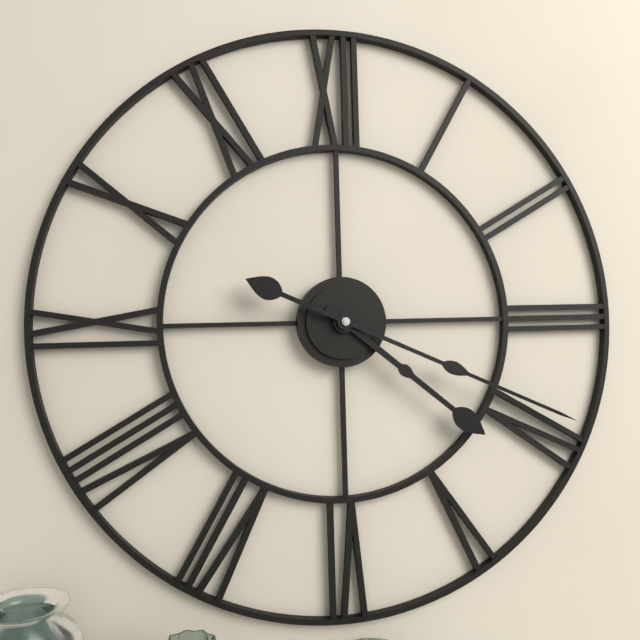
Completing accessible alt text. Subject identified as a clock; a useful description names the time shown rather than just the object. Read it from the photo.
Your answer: 4:19
